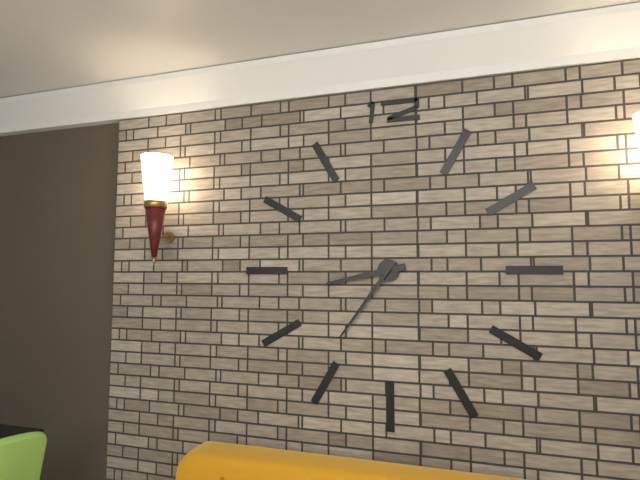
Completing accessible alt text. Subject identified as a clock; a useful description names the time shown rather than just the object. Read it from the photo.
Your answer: 8:36
